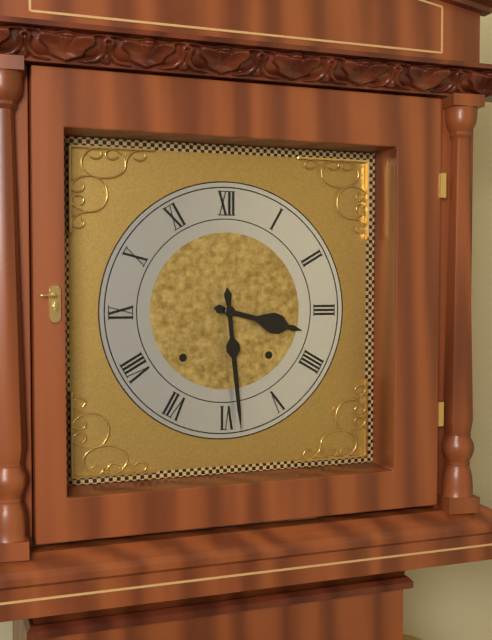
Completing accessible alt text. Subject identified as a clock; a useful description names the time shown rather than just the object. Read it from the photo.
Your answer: 3:29
